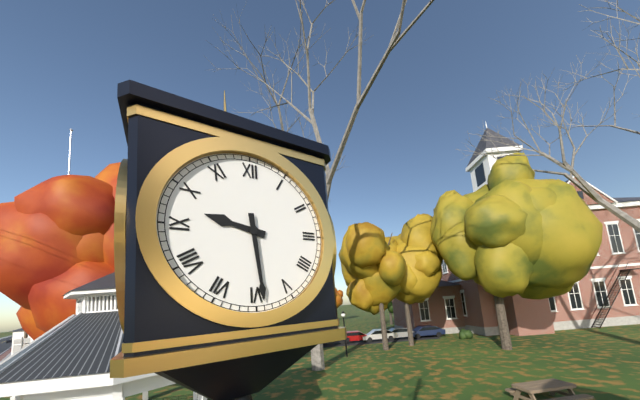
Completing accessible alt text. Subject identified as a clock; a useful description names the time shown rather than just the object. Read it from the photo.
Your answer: 9:29
